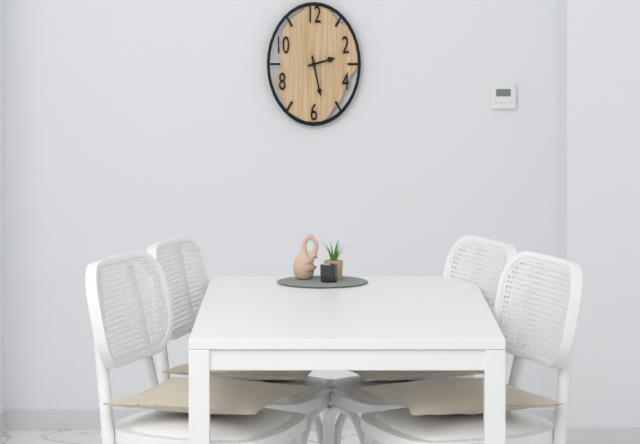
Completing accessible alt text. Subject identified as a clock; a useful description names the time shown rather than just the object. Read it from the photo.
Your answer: 2:28
